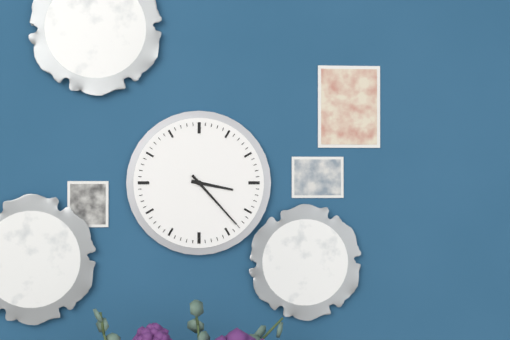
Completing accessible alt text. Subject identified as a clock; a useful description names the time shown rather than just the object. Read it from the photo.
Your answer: 3:23
